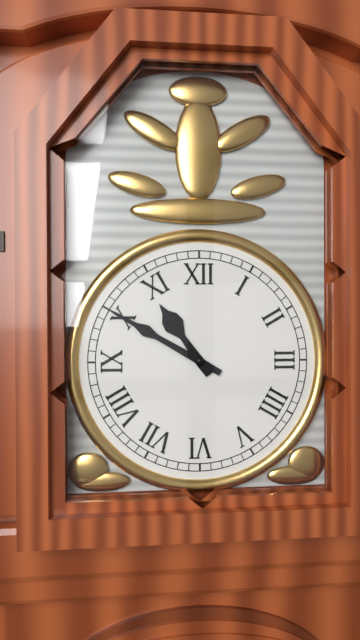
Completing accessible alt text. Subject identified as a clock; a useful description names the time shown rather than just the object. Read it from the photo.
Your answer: 10:50
